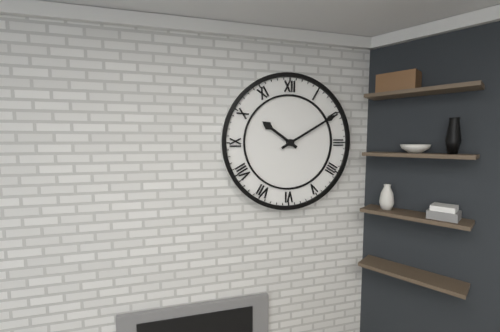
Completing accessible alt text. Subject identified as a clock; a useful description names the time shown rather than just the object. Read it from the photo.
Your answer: 10:10
